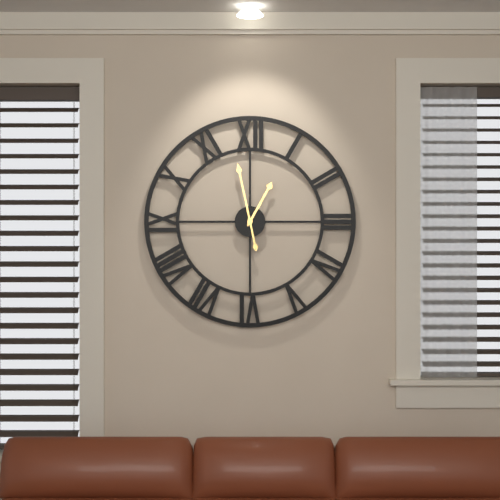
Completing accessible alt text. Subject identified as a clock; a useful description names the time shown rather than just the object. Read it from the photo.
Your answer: 12:58
